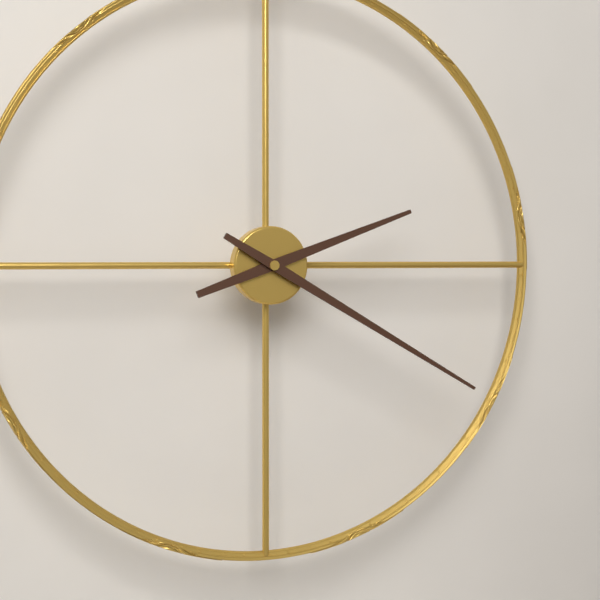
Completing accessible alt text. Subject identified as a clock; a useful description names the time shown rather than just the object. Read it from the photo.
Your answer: 2:20
